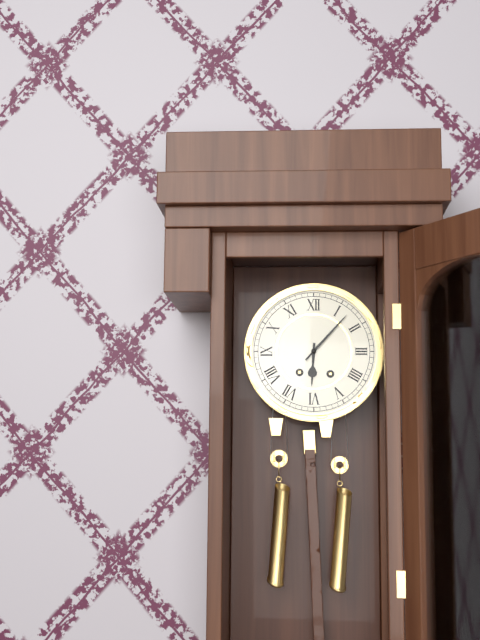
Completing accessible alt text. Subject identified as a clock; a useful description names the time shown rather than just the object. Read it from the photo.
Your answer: 6:07
